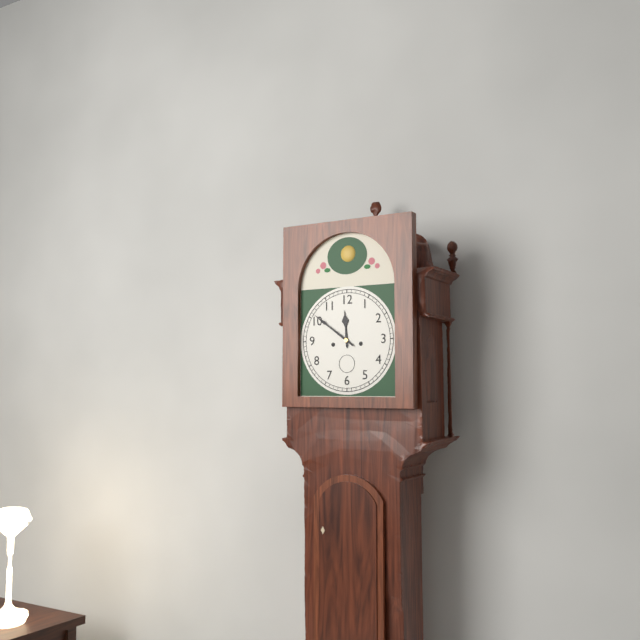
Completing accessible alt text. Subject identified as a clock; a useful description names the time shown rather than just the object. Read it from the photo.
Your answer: 11:51
